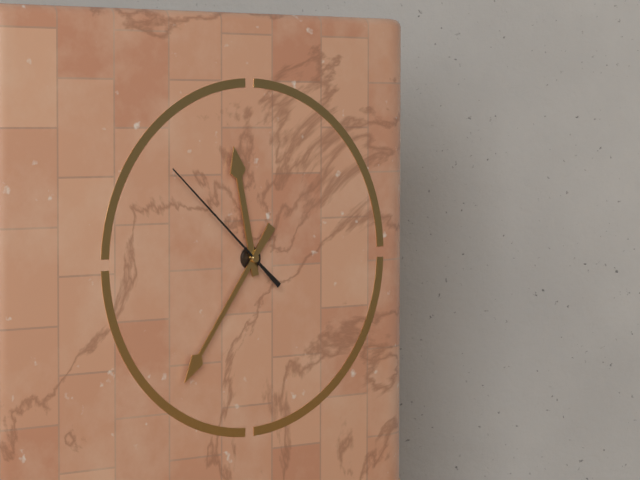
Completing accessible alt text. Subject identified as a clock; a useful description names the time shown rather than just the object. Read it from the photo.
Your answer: 11:36:52
